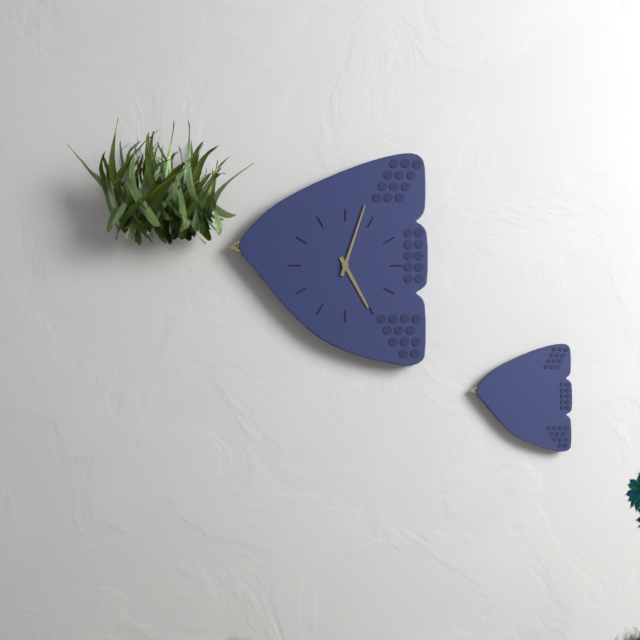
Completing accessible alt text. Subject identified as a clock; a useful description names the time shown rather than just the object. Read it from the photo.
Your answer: 5:03
